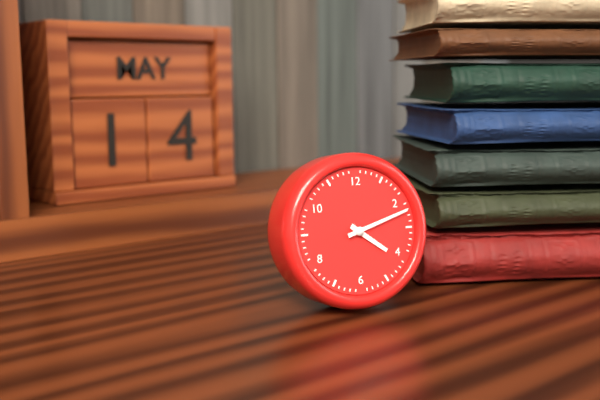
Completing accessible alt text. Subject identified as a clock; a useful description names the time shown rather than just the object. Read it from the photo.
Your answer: 4:12
